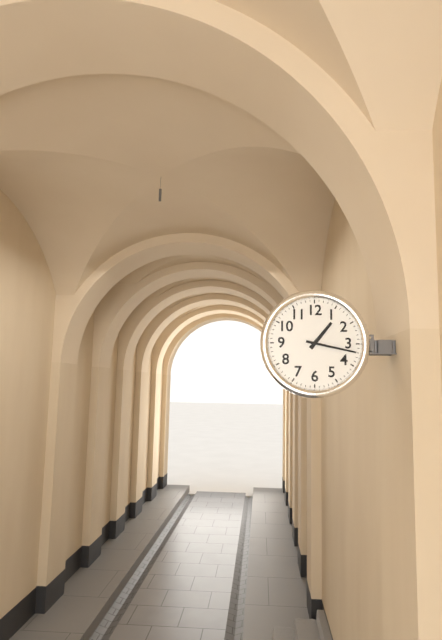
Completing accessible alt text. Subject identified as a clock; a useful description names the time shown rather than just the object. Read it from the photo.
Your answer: 1:17
